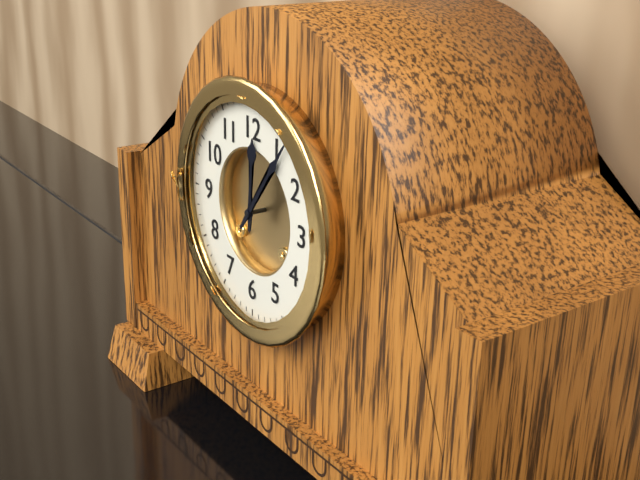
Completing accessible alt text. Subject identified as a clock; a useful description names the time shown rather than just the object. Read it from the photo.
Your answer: 12:06
